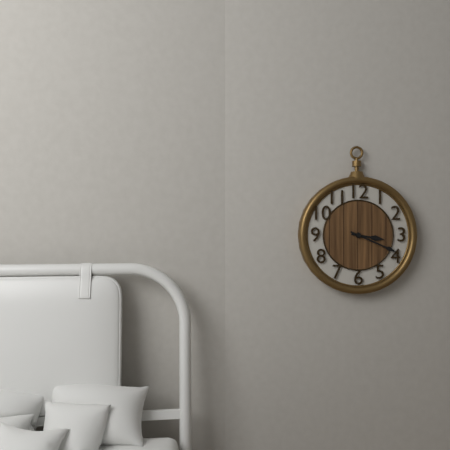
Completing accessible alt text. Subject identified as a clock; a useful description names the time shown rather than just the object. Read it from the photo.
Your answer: 3:19
